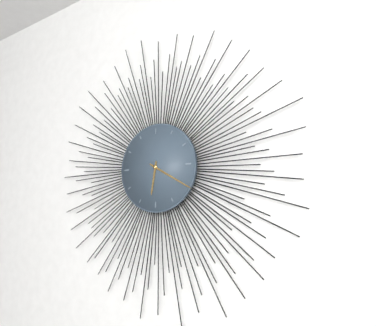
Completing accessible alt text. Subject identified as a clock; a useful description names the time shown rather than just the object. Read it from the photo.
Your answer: 6:20
